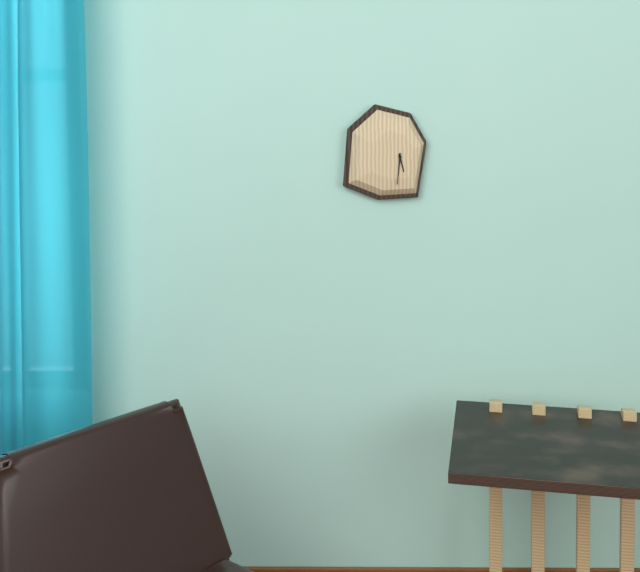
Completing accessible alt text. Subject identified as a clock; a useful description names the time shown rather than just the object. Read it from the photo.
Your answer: 5:31
